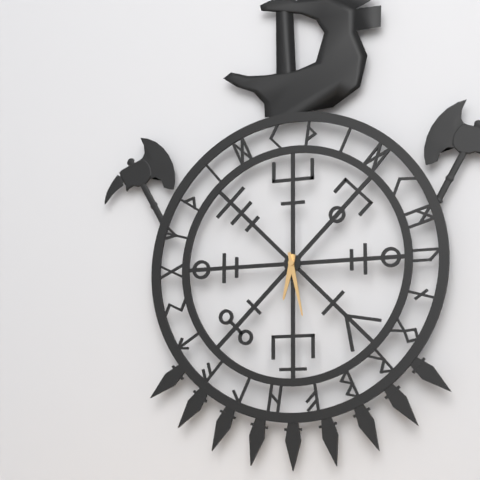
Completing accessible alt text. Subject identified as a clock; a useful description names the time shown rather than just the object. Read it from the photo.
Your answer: 6:28
